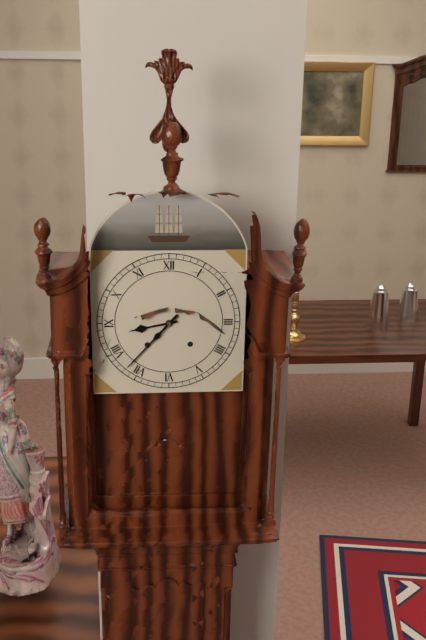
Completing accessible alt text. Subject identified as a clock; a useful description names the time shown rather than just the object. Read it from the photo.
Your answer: 8:37
